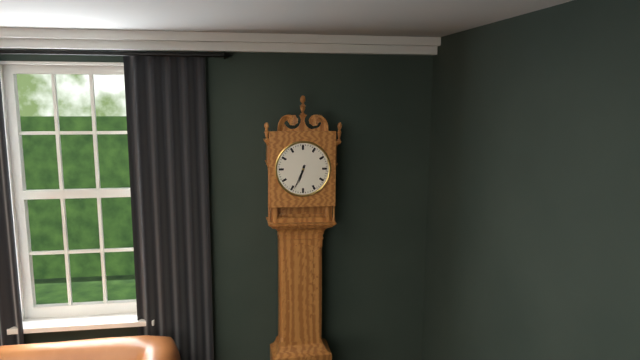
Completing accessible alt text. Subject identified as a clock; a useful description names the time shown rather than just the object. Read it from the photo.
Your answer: 6:34
